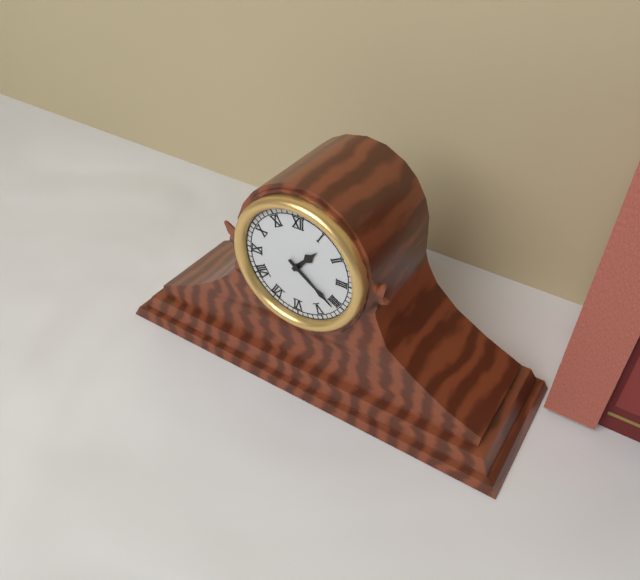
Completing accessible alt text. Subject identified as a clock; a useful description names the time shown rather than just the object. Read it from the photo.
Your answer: 1:21
